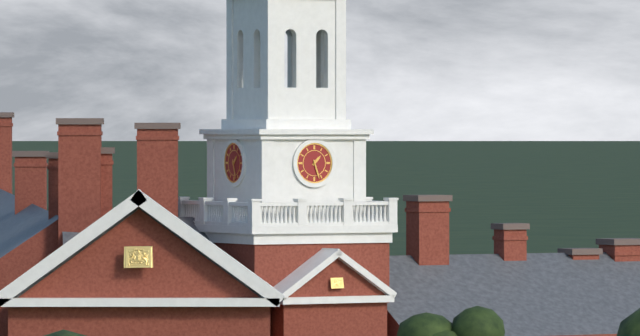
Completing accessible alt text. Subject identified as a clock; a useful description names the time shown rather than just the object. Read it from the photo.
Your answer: 1:27
